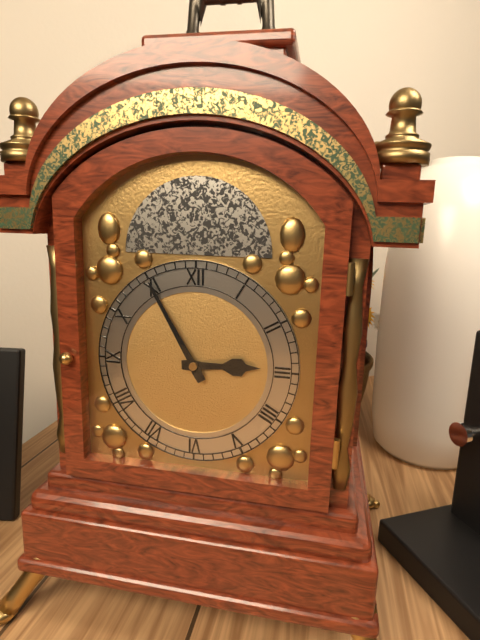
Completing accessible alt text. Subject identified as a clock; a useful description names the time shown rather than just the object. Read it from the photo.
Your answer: 2:55
